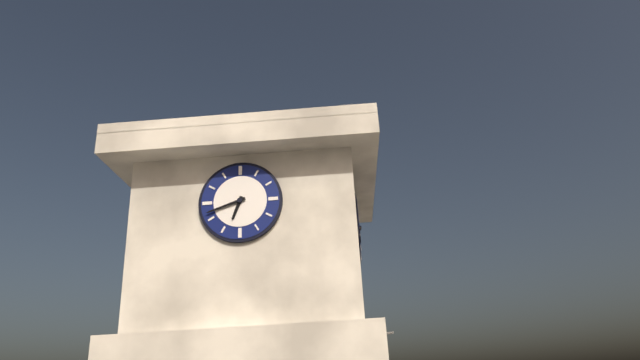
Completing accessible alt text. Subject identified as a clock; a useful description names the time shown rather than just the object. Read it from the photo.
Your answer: 6:42
